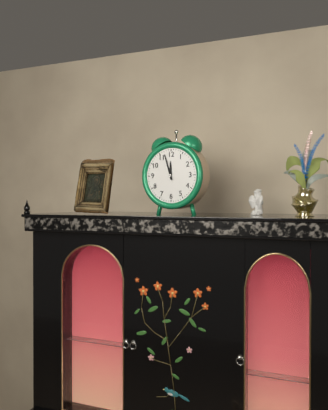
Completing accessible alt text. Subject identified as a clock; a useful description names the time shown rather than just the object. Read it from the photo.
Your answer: 11:57
